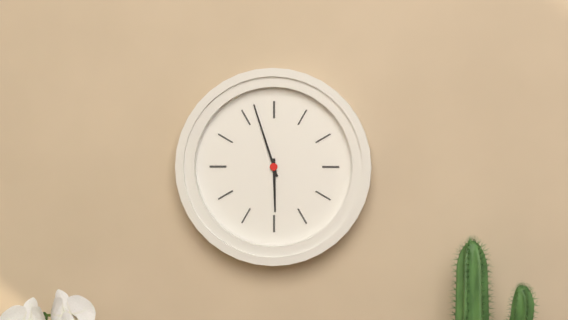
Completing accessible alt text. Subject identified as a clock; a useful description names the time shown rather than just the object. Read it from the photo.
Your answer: 5:57
